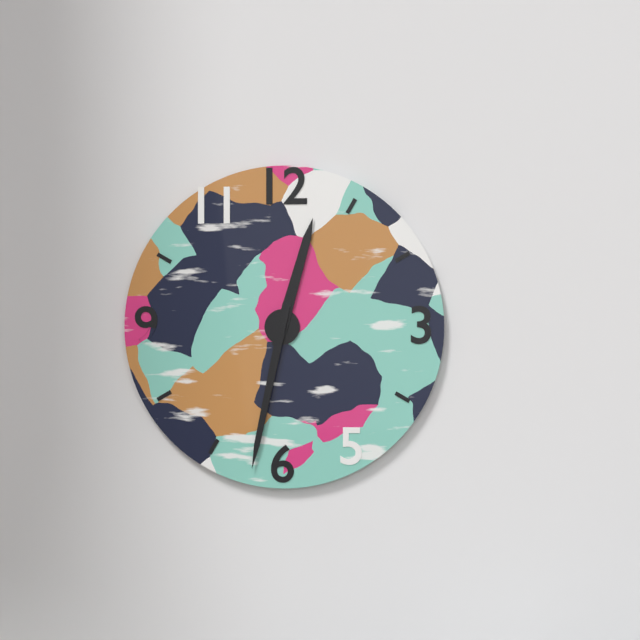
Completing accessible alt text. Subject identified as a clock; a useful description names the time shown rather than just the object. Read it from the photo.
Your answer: 12:32
